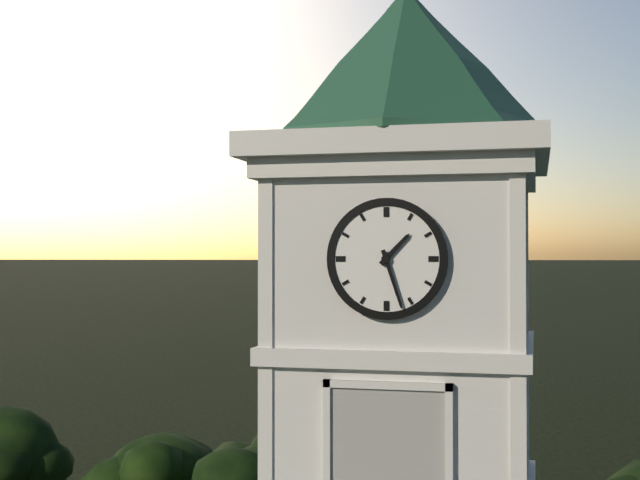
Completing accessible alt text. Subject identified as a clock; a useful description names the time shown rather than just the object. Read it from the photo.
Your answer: 1:27
